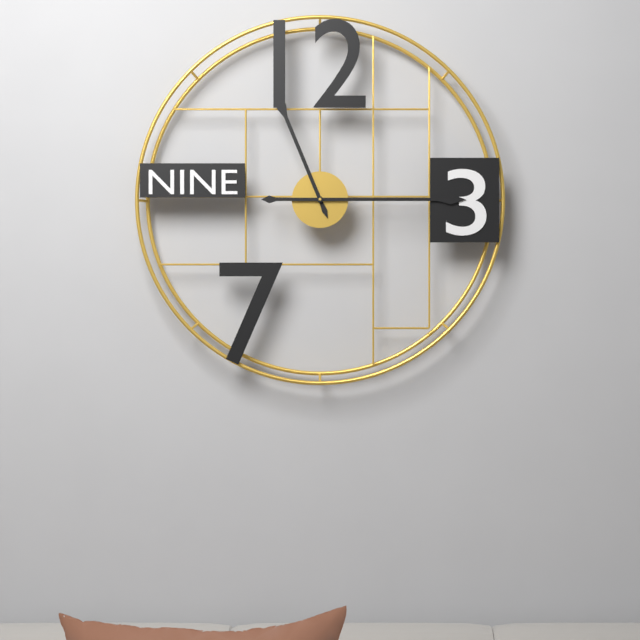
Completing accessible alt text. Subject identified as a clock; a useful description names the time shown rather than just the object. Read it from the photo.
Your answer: 11:15
